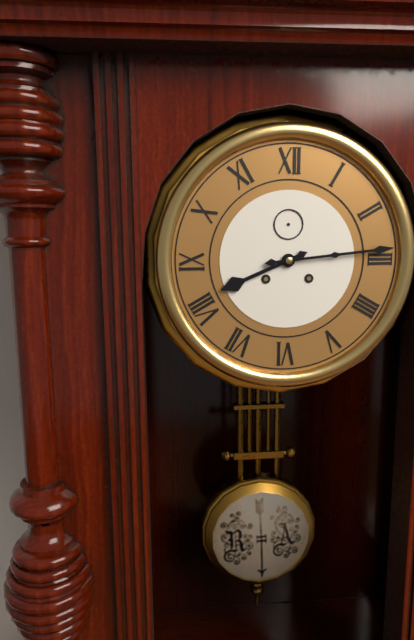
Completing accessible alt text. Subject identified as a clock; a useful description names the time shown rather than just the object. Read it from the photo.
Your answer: 8:14
